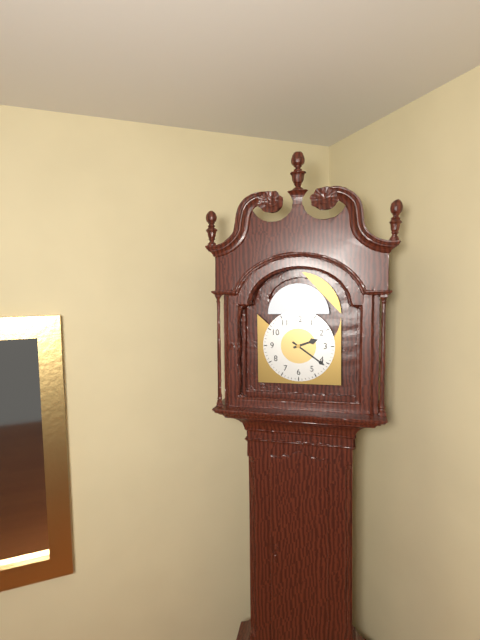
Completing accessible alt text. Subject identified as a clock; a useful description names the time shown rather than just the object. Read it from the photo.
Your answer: 2:21
